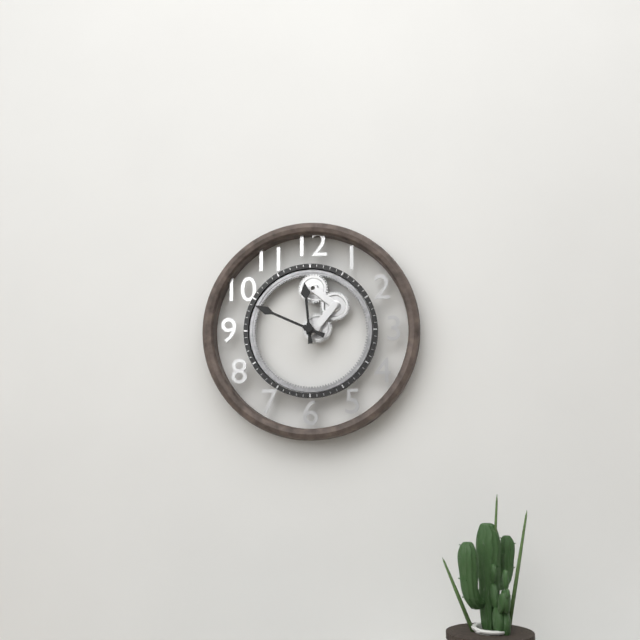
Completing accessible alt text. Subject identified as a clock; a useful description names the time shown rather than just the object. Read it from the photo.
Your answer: 11:49
